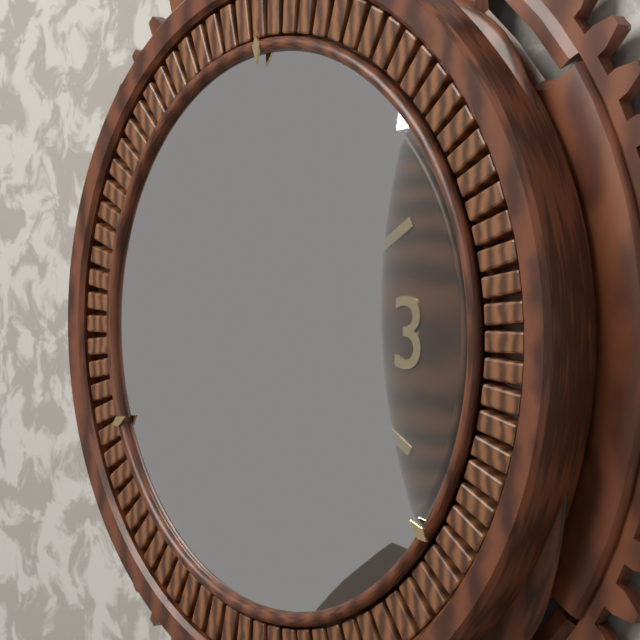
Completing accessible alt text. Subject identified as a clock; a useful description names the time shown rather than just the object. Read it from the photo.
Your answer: 5:40:09
